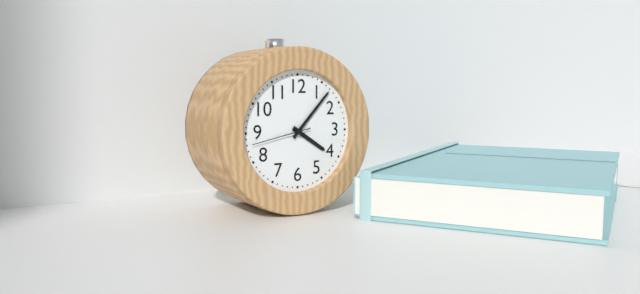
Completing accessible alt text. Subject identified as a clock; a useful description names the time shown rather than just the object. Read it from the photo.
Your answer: 4:07:43
